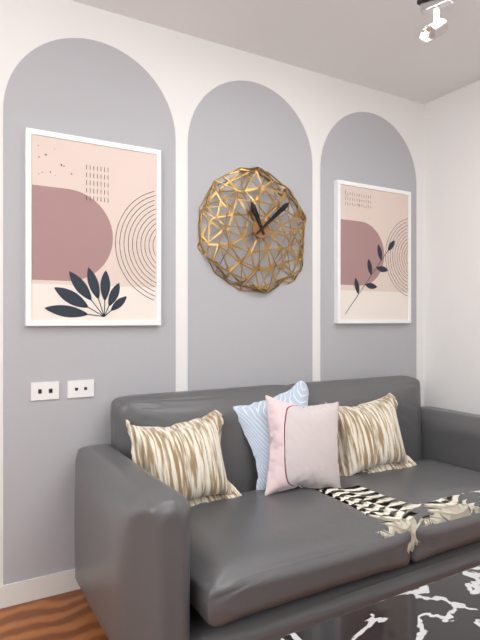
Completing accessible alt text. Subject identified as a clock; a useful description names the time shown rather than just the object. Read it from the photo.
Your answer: 11:08
